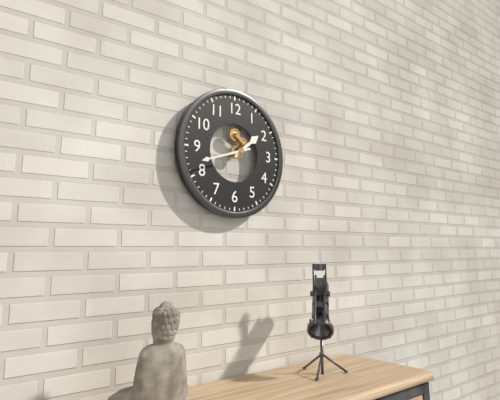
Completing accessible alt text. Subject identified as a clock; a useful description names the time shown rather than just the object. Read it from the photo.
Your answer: 1:42
